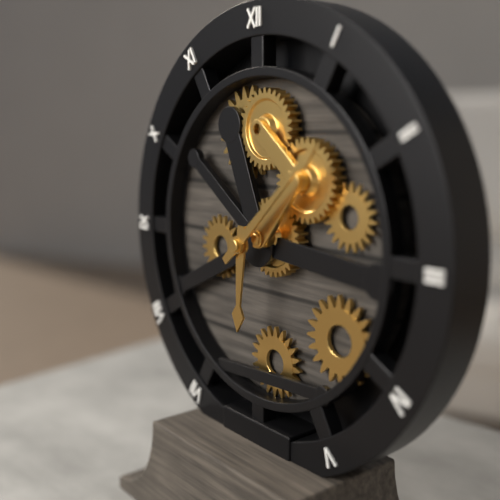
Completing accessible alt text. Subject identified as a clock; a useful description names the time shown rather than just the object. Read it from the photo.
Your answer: 6:08
